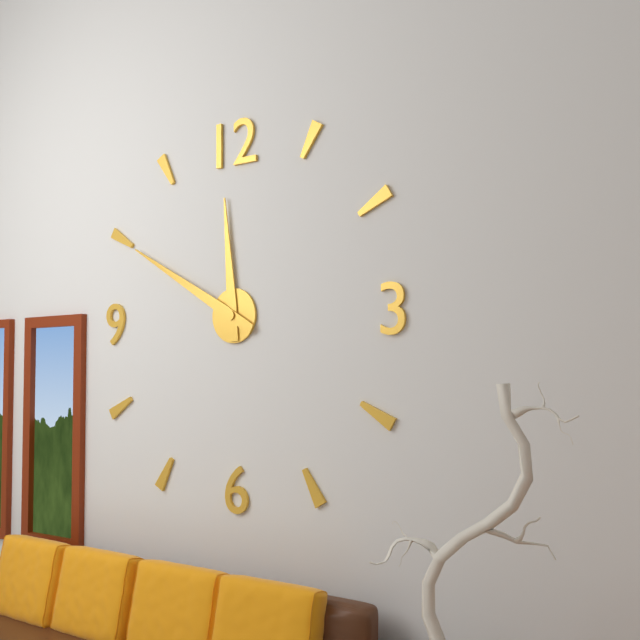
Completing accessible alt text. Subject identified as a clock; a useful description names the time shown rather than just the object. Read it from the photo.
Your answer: 11:50
